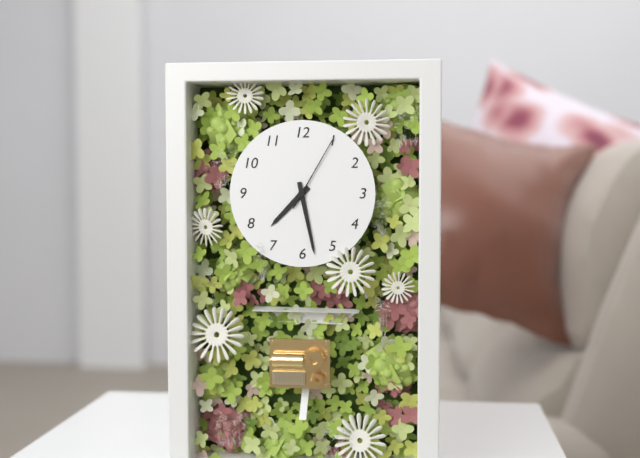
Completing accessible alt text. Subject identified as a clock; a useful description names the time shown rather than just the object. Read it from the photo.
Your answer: 7:28:05
